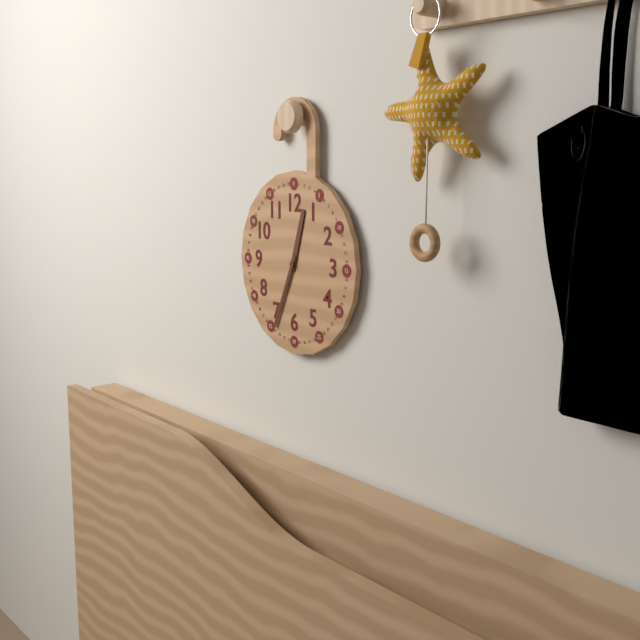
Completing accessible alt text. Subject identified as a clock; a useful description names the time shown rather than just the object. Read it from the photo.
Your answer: 12:34
